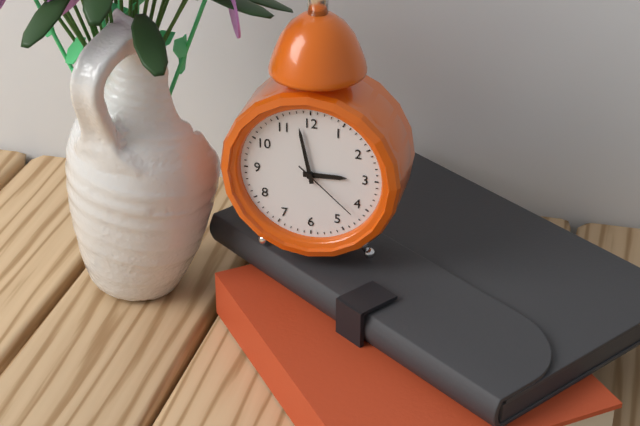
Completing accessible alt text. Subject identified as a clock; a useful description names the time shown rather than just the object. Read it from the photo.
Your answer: 2:58:22
